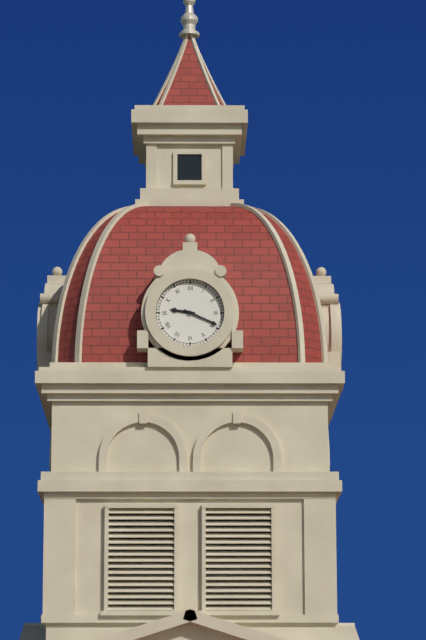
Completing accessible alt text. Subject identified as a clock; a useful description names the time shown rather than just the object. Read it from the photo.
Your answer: 9:19
